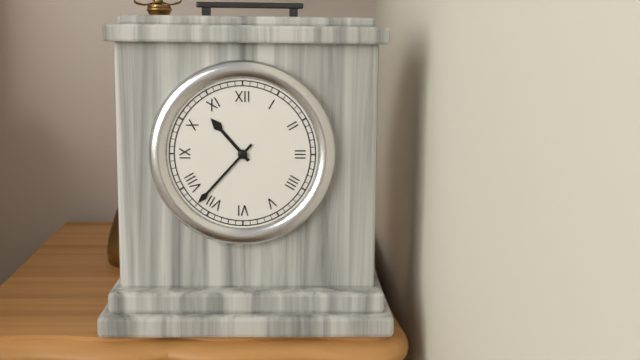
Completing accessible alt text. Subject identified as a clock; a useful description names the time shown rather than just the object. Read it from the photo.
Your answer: 10:37
